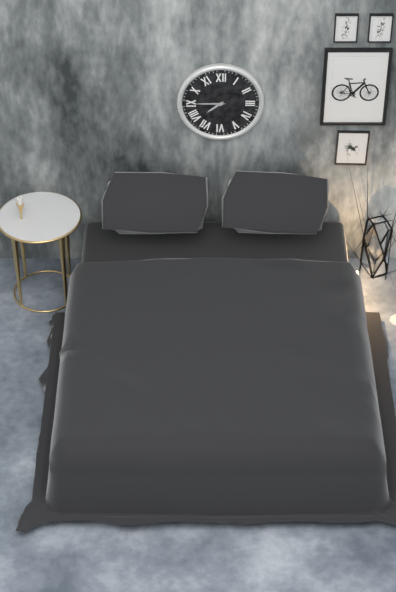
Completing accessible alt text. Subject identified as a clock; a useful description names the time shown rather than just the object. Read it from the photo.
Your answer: 7:45
